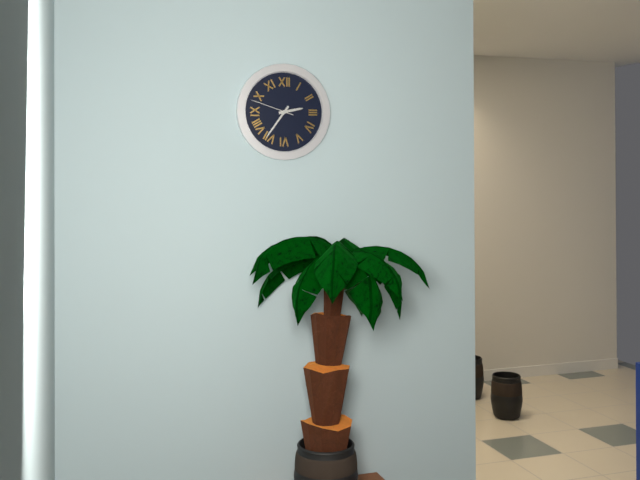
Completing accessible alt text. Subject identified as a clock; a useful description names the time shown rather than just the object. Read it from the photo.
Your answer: 2:36
